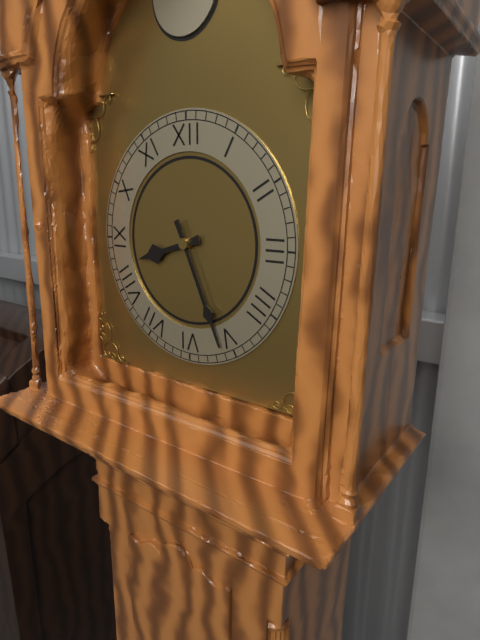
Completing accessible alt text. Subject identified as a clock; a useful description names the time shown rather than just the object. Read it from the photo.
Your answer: 8:26
